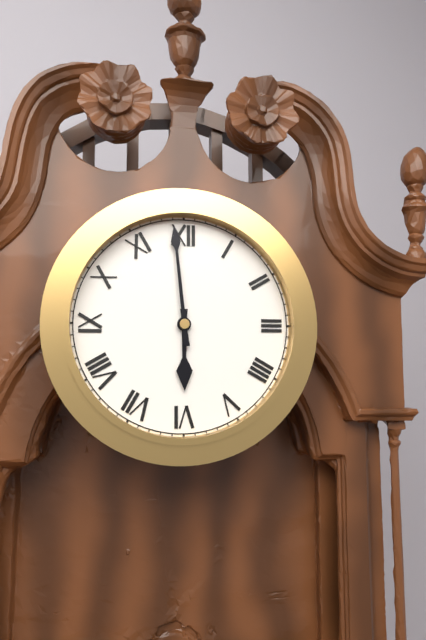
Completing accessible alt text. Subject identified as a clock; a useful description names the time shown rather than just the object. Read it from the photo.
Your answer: 5:59
